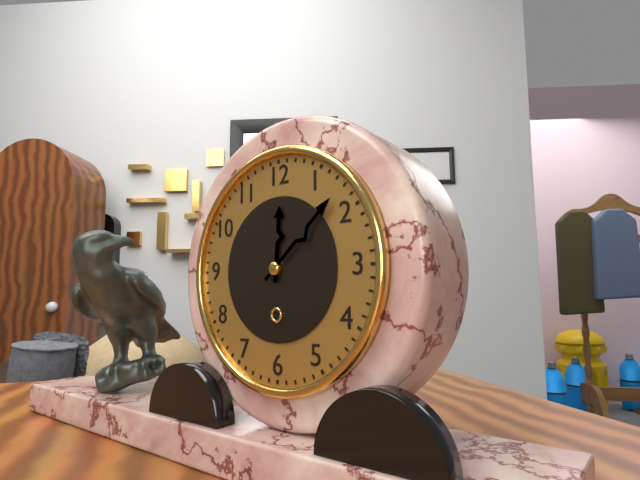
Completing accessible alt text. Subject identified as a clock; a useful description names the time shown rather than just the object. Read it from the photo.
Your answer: 12:08
